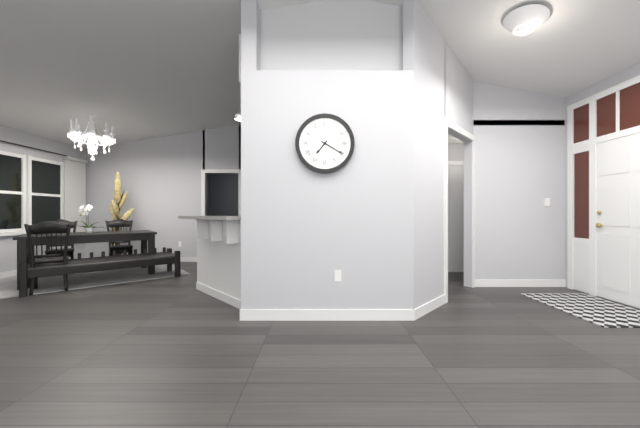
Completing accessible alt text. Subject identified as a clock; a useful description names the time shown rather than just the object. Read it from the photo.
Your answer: 7:20
